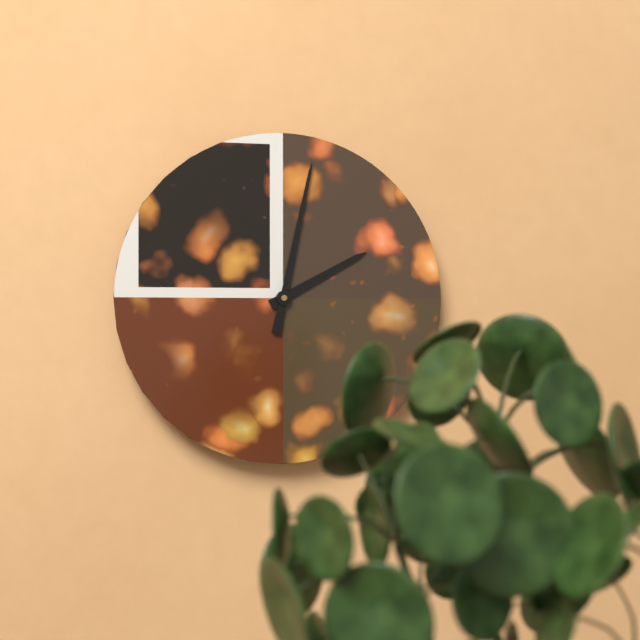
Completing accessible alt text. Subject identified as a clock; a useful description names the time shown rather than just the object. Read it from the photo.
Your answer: 2:02
